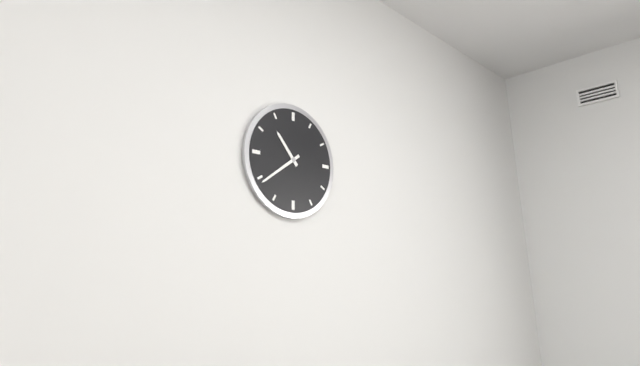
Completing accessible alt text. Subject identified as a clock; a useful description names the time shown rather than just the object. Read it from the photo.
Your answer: 10:39
